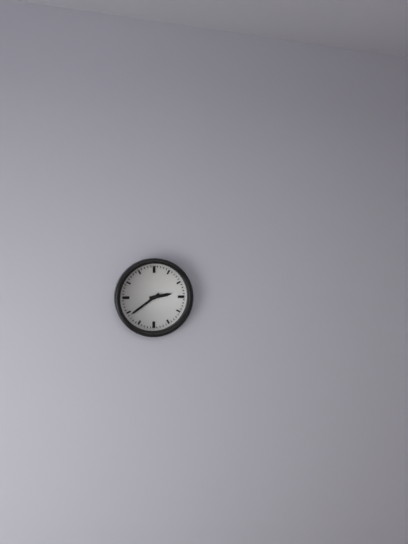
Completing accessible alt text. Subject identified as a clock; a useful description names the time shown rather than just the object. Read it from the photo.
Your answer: 2:39
